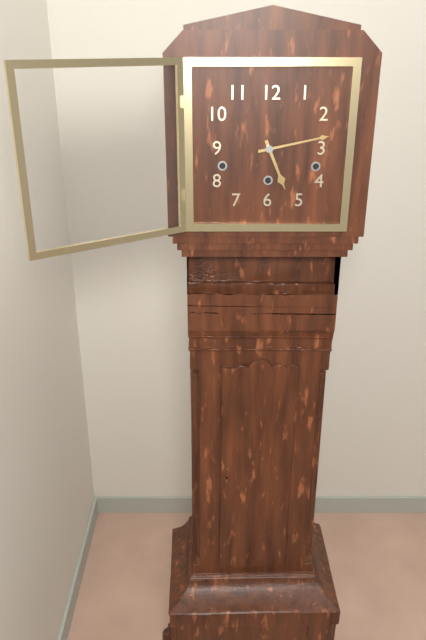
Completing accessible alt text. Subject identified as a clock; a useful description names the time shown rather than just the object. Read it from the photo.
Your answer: 5:13
